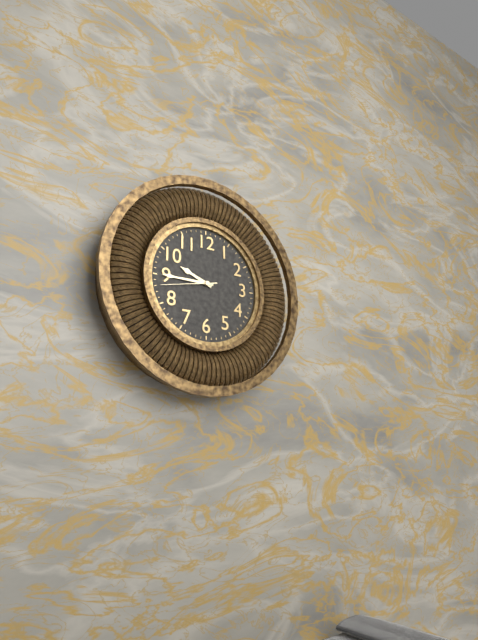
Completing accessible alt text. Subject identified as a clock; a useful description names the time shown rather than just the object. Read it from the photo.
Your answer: 9:45:43
